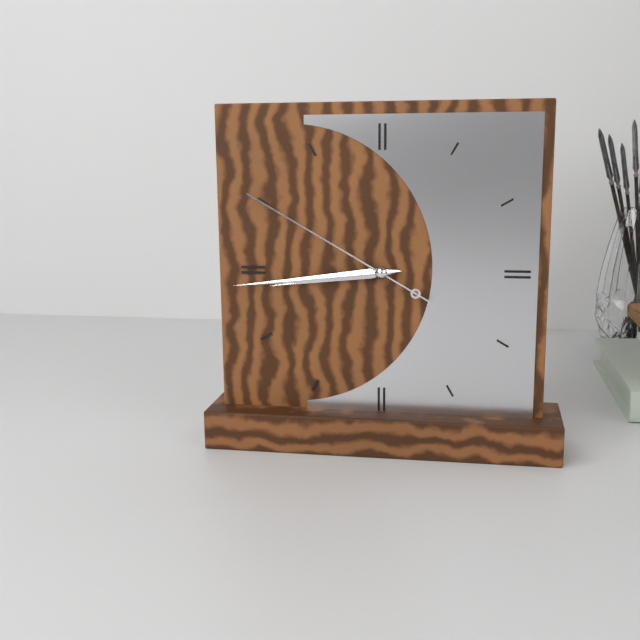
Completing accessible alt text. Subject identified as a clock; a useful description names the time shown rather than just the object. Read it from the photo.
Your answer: 8:44:50
